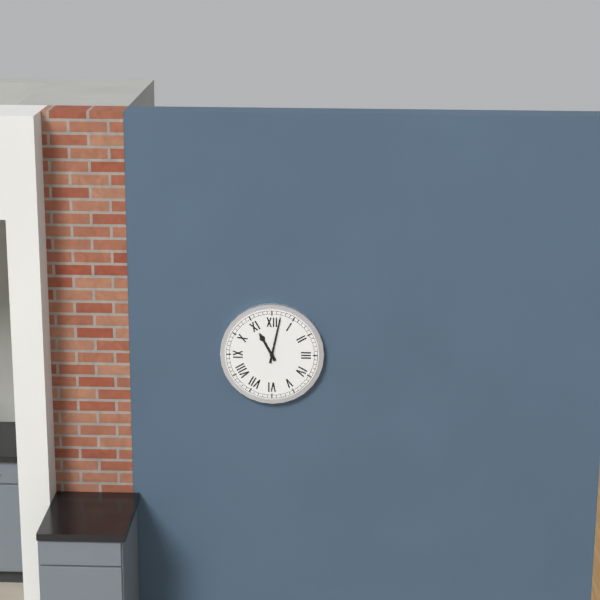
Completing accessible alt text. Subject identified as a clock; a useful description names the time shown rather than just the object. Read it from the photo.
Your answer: 11:02
